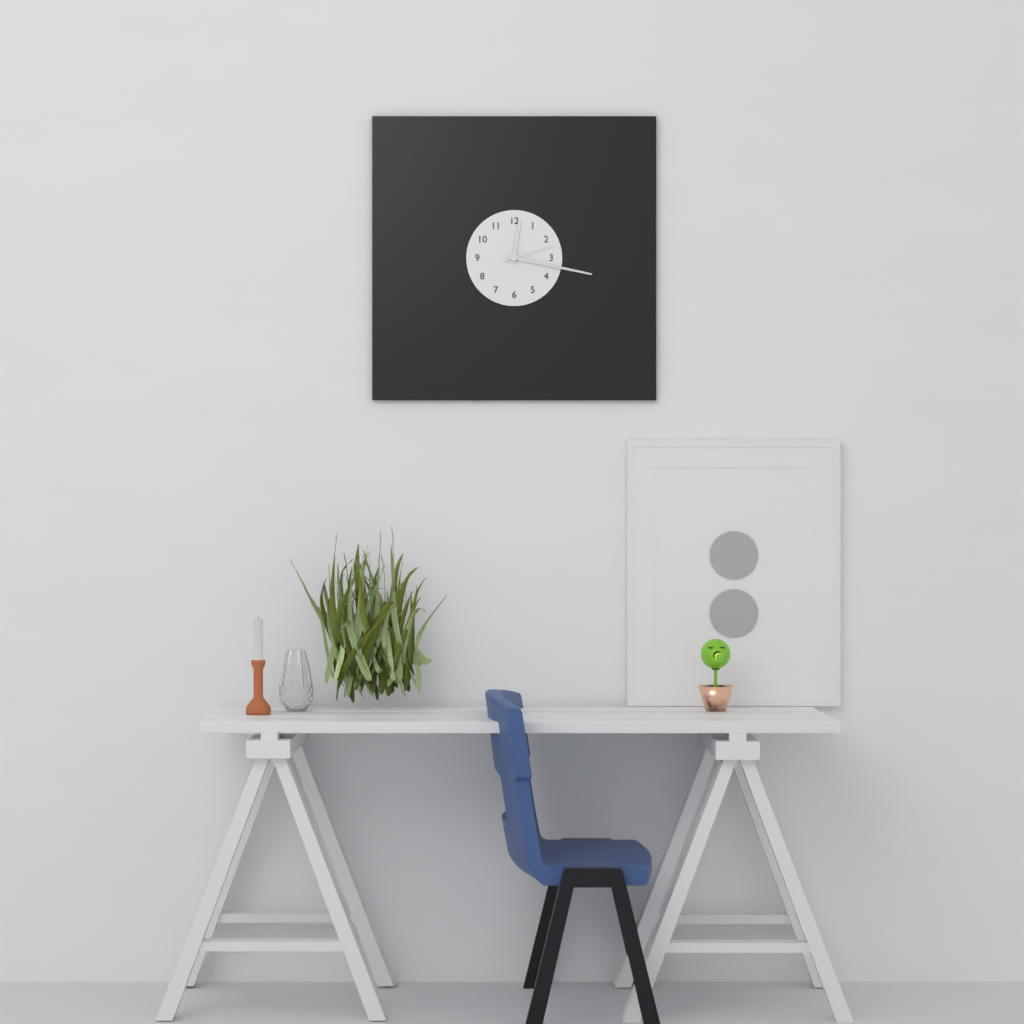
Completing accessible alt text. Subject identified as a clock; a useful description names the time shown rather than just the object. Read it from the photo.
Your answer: 12:17:12
